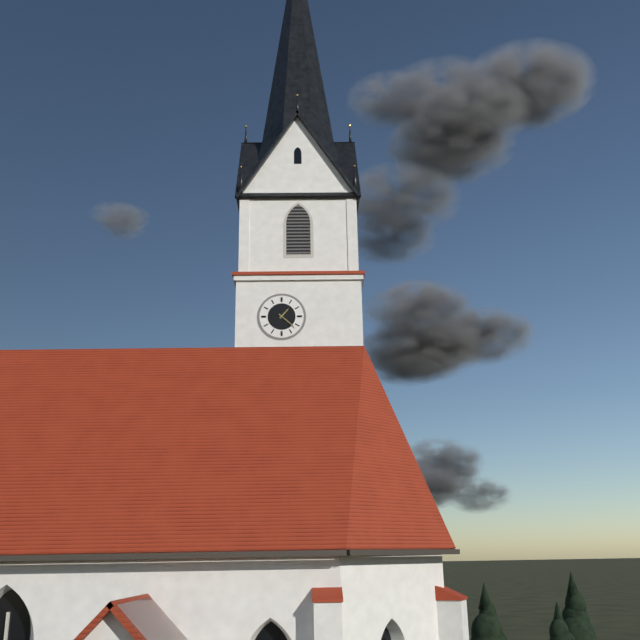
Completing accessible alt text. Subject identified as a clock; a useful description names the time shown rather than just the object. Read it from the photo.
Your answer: 1:22
